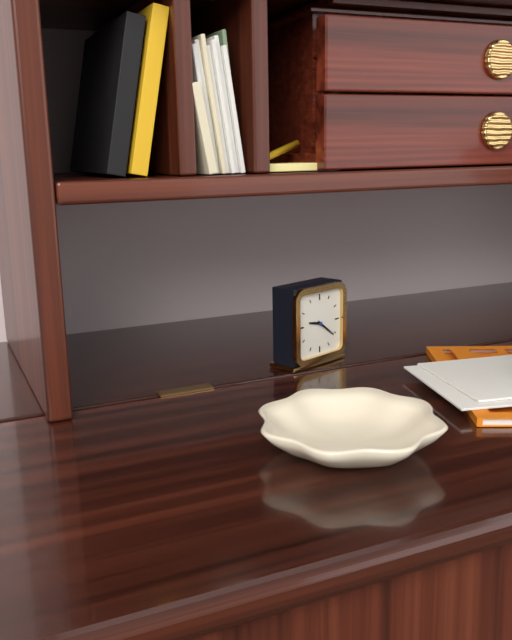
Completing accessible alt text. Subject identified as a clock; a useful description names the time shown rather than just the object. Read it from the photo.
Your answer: 9:21
